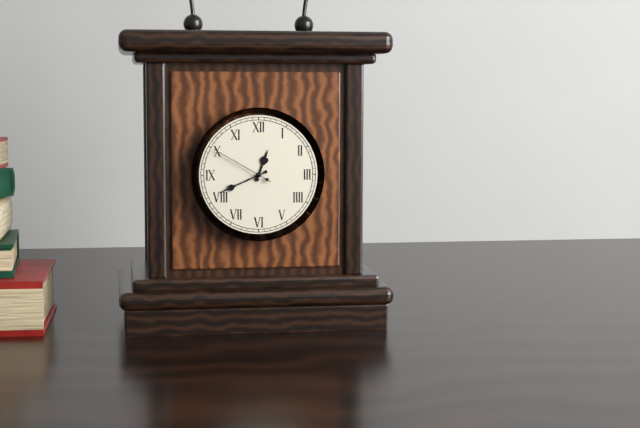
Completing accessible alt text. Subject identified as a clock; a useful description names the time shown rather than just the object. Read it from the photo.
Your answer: 12:41:50
